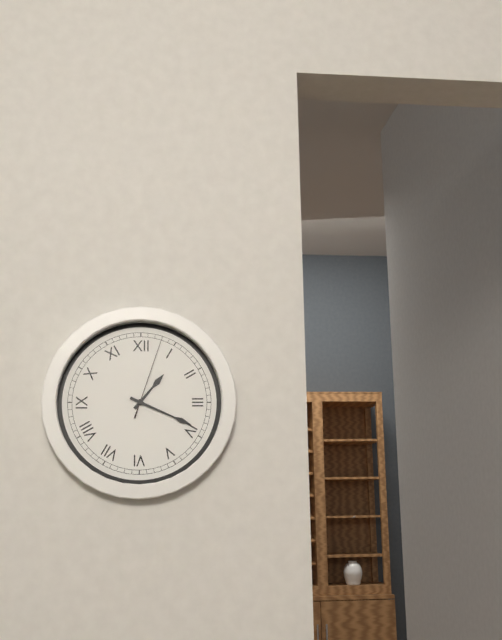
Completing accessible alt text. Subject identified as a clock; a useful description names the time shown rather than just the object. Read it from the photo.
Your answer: 1:19:03
